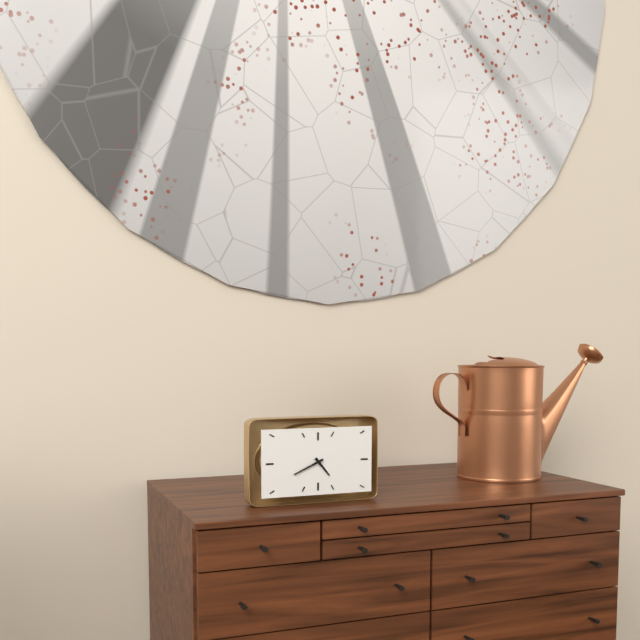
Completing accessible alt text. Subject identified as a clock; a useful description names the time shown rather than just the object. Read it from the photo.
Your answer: 4:41
